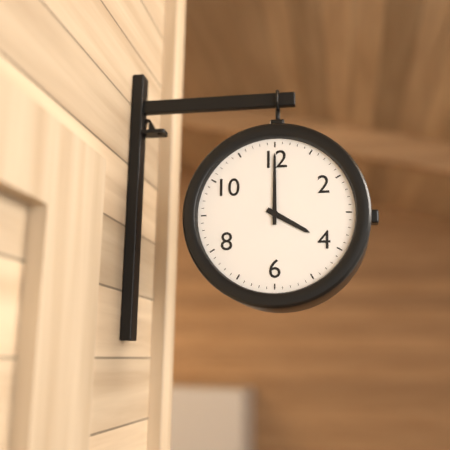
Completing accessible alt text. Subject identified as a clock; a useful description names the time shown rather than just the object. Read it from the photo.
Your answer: 4:00
